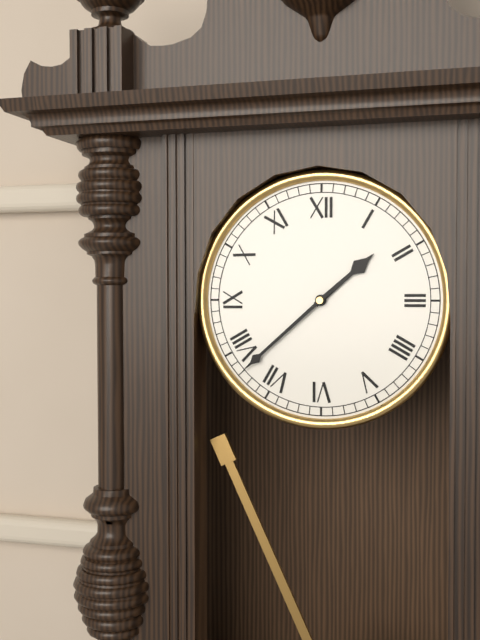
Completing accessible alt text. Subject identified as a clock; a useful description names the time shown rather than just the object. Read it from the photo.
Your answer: 1:38
